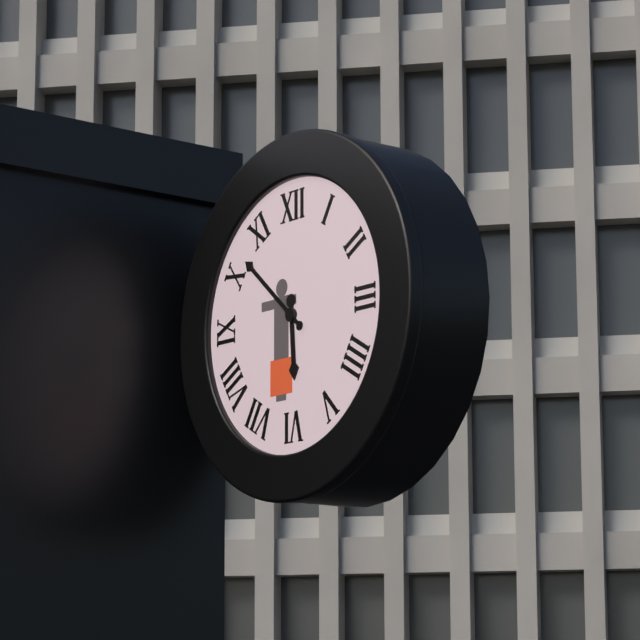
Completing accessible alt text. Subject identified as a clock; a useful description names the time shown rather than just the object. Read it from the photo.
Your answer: 5:52
